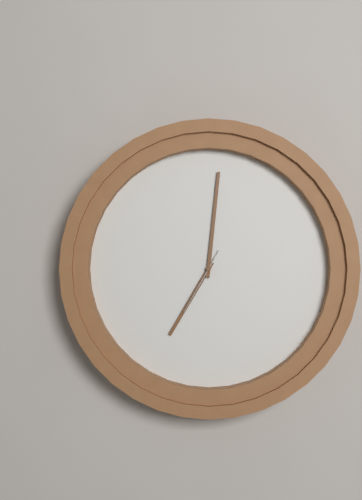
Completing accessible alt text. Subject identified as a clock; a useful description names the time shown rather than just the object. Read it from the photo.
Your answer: 7:01:35
